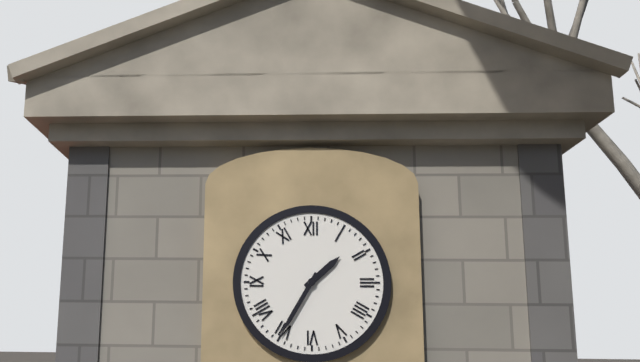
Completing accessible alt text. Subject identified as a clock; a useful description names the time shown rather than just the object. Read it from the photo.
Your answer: 1:35
